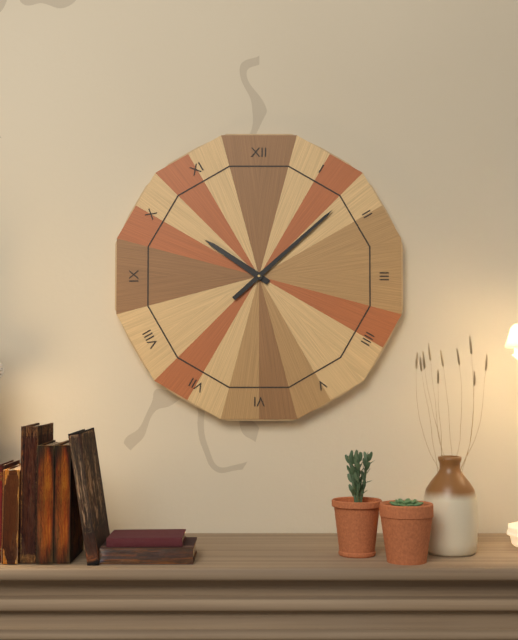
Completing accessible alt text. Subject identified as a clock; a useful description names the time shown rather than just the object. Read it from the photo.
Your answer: 10:08
